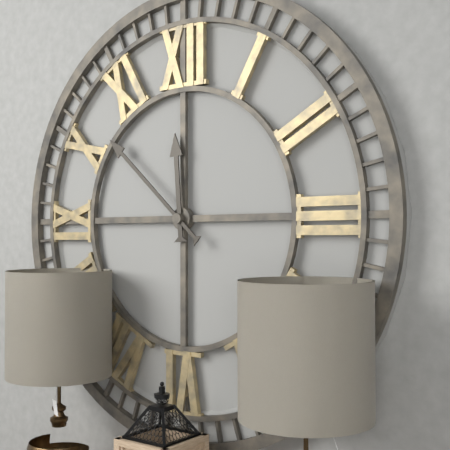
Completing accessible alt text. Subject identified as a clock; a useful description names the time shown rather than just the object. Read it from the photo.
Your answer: 11:52
